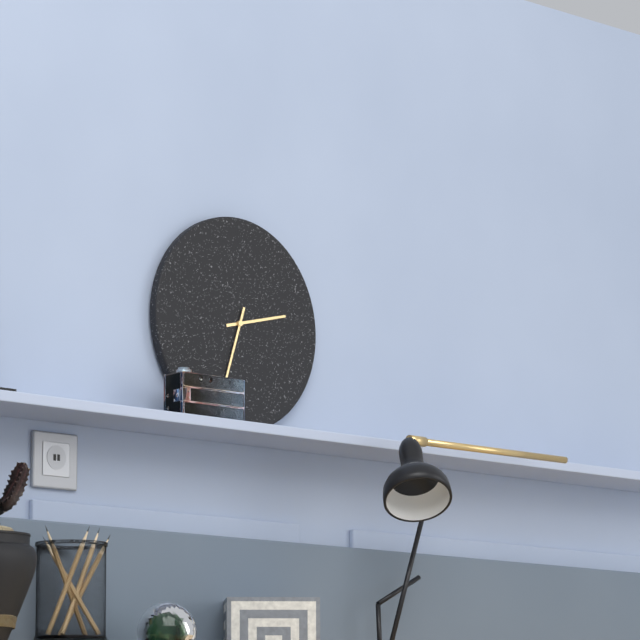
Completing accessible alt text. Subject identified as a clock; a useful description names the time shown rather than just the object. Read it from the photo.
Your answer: 2:33
